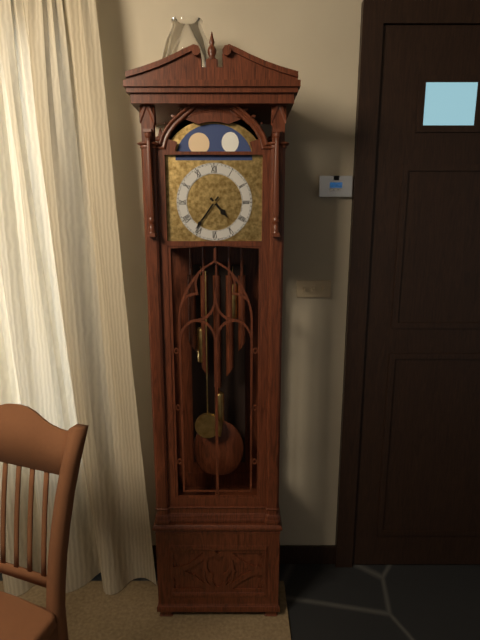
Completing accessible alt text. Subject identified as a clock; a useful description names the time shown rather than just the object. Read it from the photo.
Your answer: 4:36
